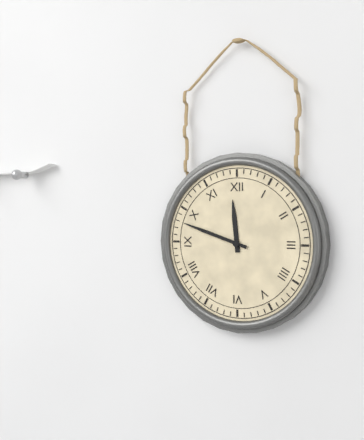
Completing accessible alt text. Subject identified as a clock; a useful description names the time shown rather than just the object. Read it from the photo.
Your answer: 11:48
